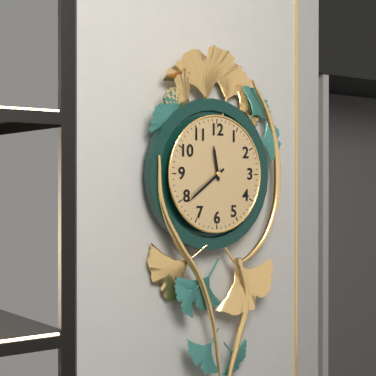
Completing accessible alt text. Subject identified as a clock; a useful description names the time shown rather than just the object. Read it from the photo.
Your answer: 11:39
